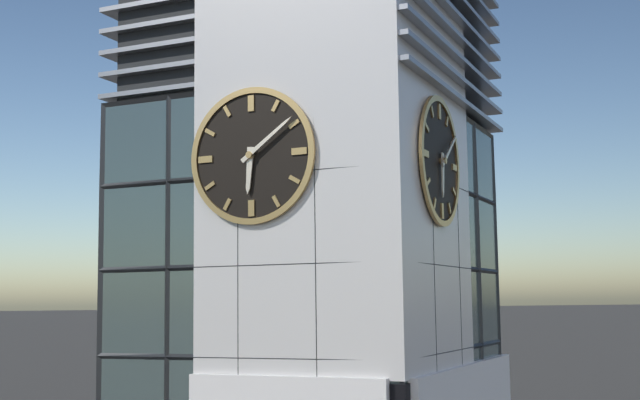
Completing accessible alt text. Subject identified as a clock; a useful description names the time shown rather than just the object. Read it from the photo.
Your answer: 6:09
